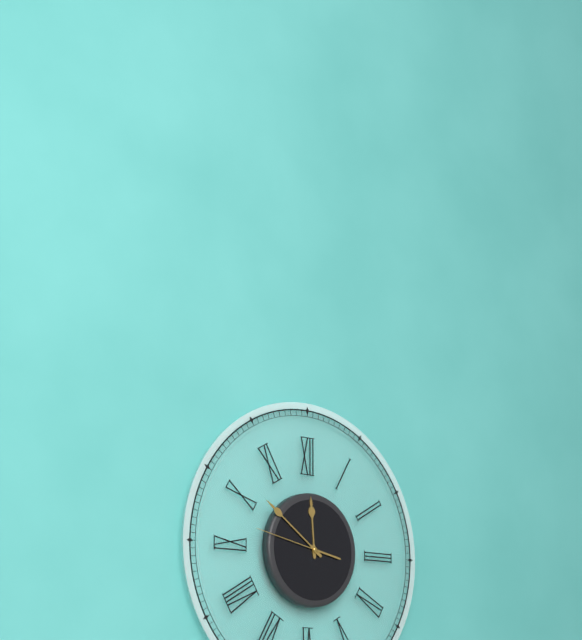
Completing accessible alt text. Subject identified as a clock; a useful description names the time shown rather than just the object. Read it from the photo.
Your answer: 11:51:47
